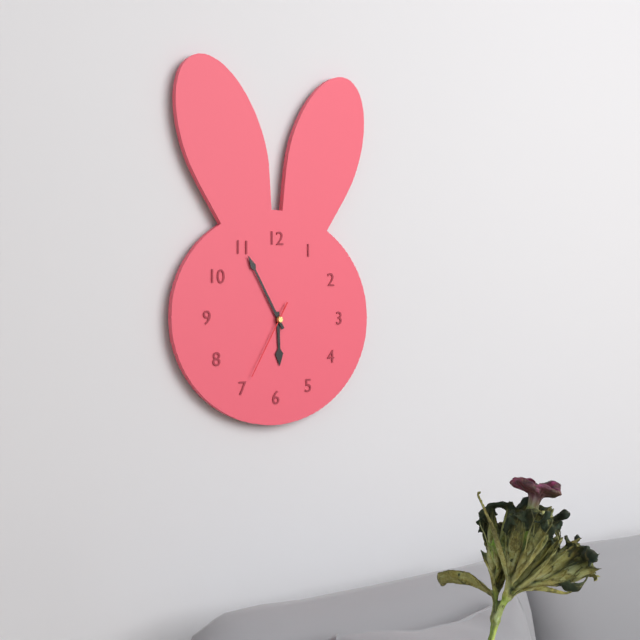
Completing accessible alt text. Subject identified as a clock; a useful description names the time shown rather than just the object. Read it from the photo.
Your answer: 5:55:35
